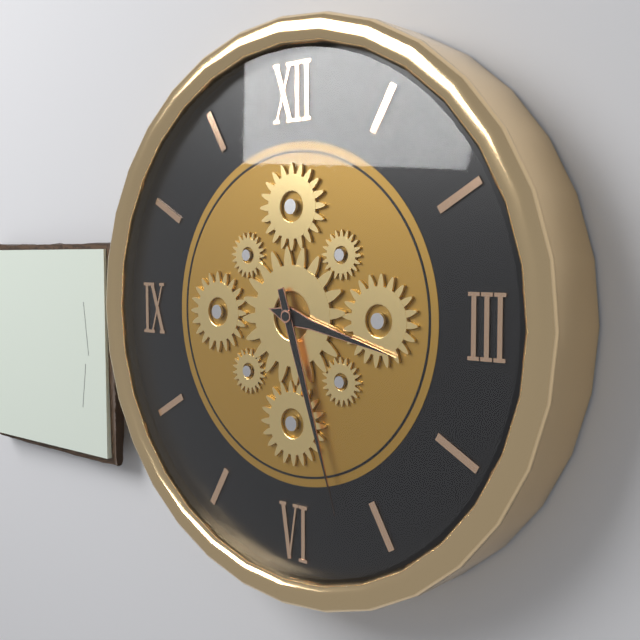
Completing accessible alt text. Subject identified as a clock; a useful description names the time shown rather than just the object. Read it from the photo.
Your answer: 3:27
